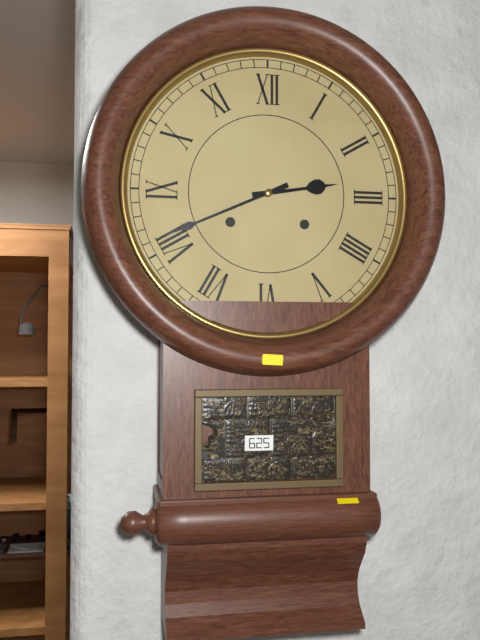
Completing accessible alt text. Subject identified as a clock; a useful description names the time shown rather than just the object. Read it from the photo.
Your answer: 2:41
